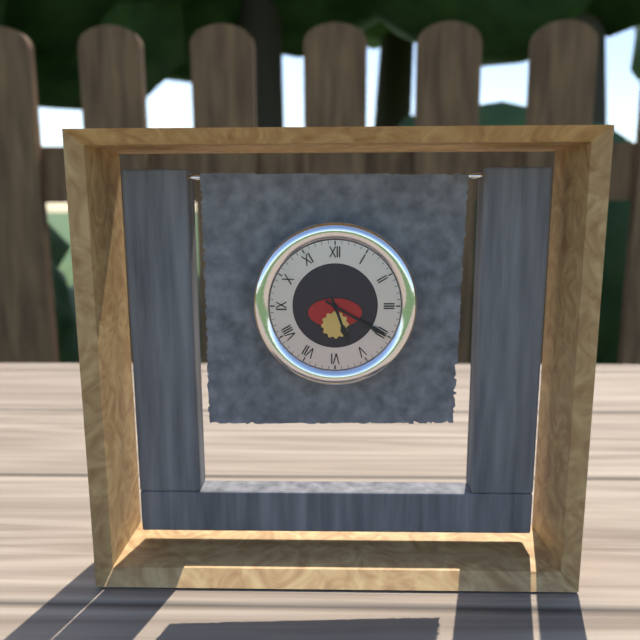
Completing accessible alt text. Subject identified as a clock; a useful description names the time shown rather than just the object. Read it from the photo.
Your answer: 5:20
